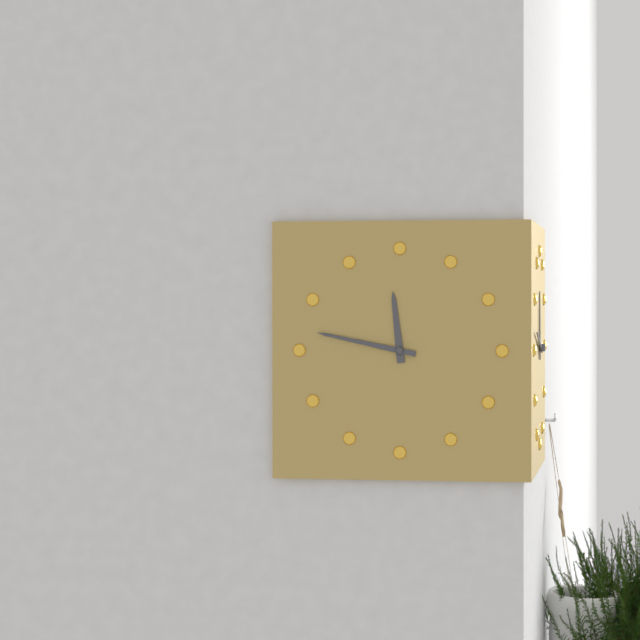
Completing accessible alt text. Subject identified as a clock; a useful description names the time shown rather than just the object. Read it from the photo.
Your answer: 11:47
